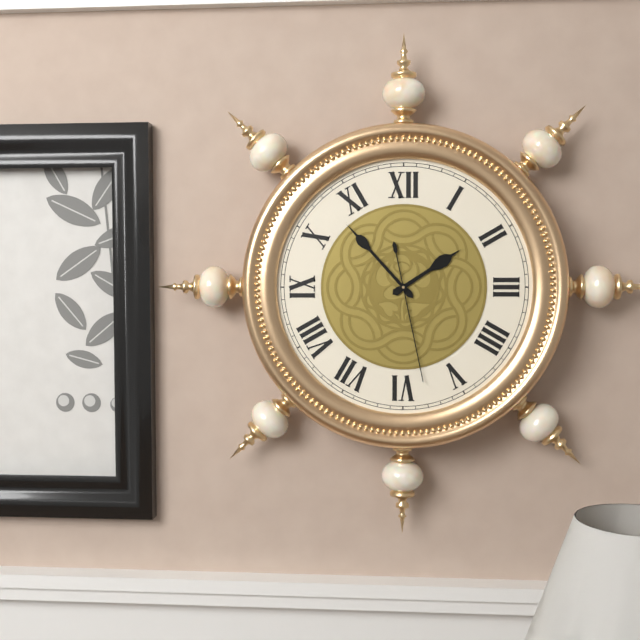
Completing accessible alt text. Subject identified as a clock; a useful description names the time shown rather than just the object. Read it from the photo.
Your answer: 1:53:28
